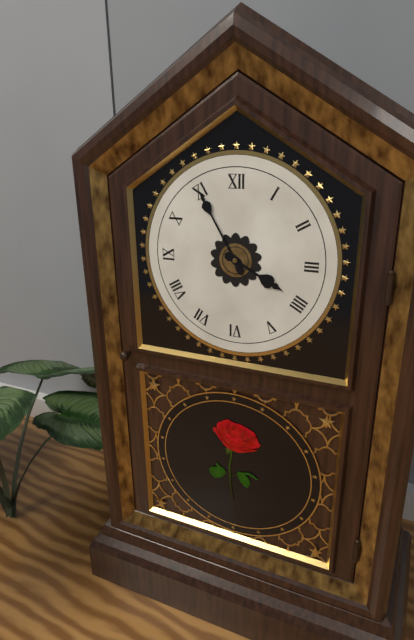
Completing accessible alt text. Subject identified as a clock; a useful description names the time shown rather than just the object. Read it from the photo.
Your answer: 3:55
